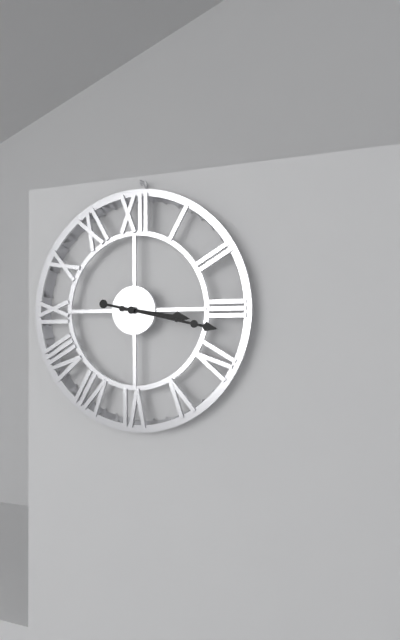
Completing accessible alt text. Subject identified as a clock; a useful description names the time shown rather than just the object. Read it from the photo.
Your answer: 3:17
